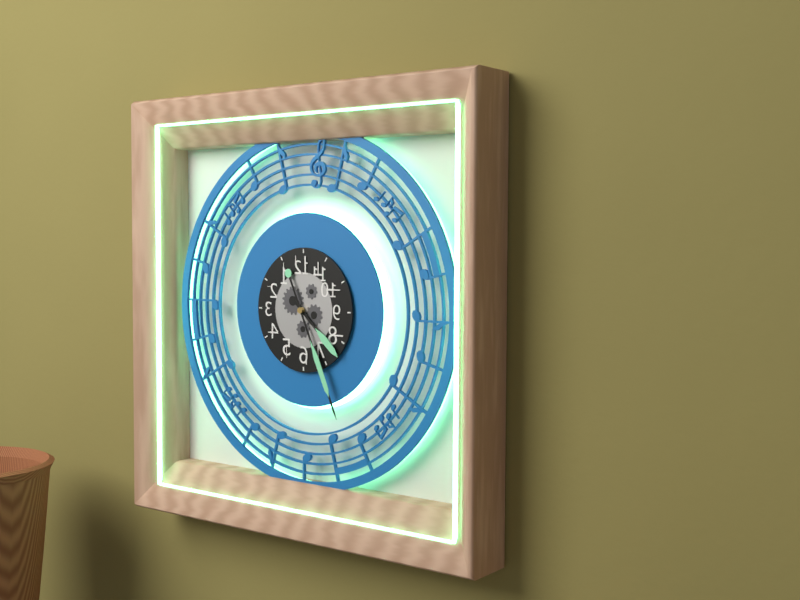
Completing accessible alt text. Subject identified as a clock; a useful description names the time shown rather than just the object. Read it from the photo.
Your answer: 4:26
